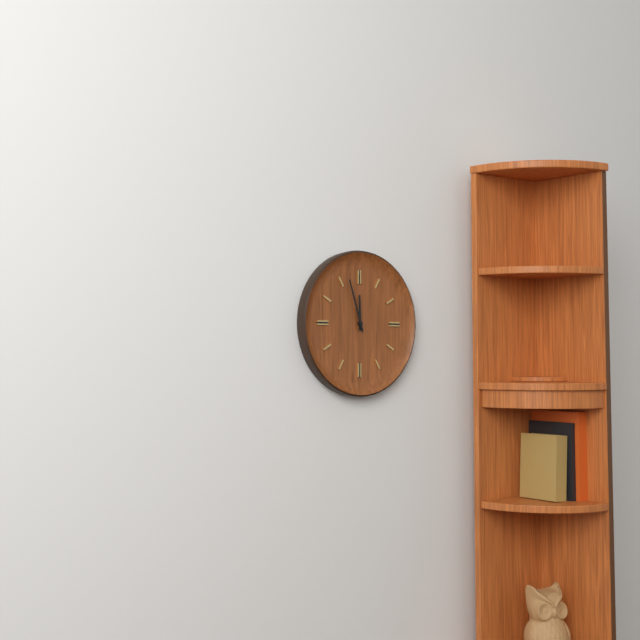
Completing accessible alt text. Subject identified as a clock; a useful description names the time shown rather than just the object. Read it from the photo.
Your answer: 11:57
